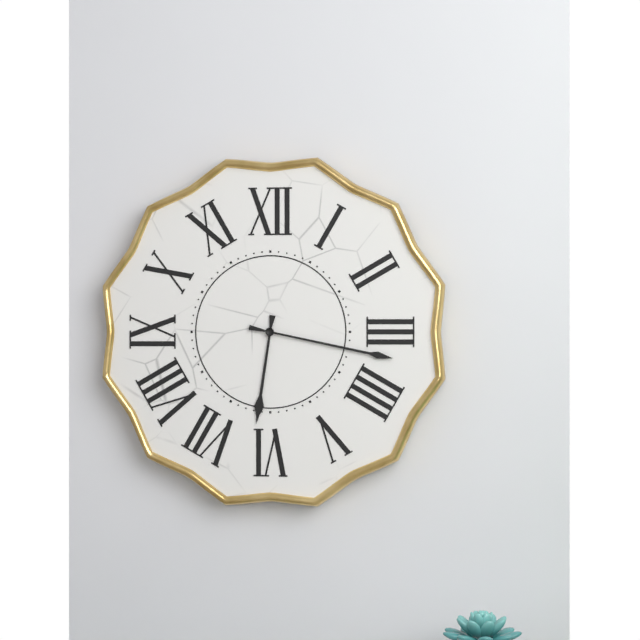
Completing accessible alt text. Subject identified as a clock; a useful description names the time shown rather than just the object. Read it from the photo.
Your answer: 6:17
